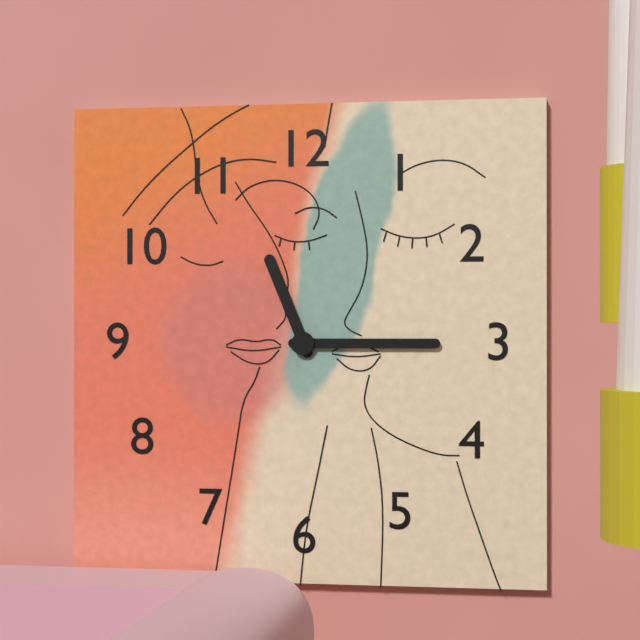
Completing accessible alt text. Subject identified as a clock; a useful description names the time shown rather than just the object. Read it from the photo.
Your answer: 11:15
